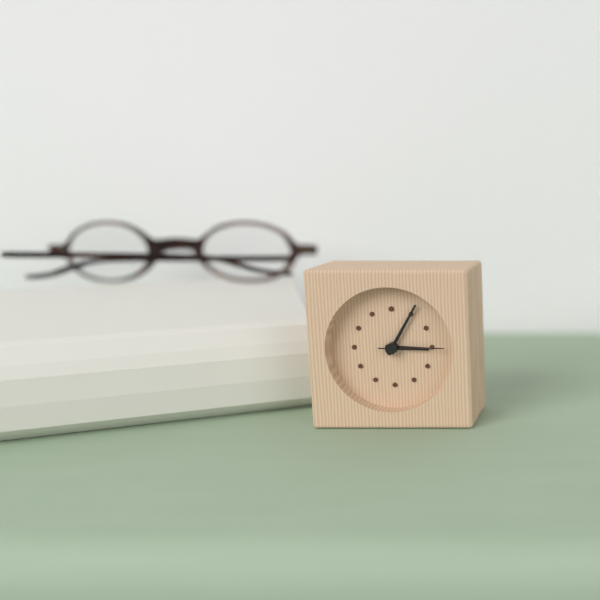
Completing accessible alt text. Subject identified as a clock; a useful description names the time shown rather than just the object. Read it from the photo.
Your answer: 3:05:15
